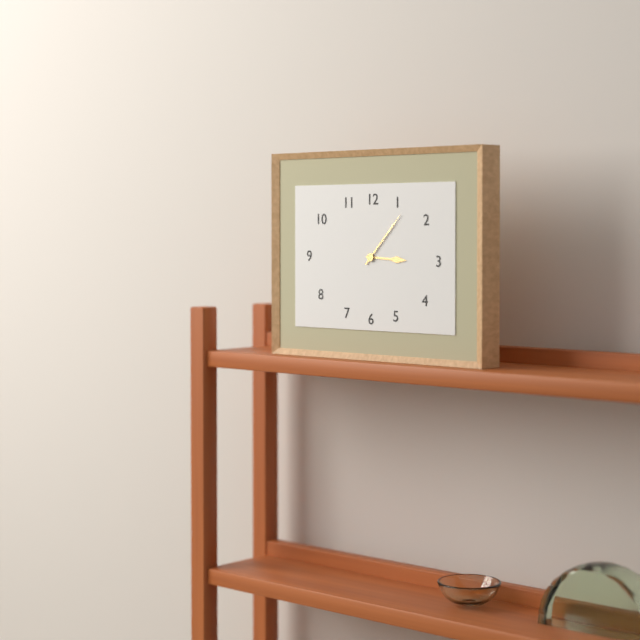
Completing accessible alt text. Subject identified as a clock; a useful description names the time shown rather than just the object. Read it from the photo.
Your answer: 3:07
